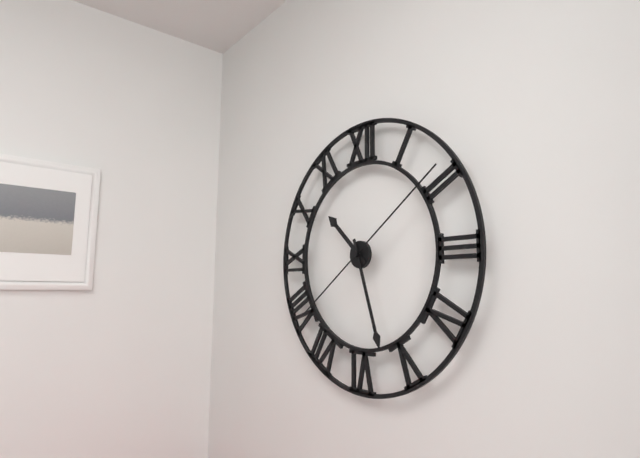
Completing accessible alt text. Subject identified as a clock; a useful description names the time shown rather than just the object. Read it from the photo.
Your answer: 10:27:09
